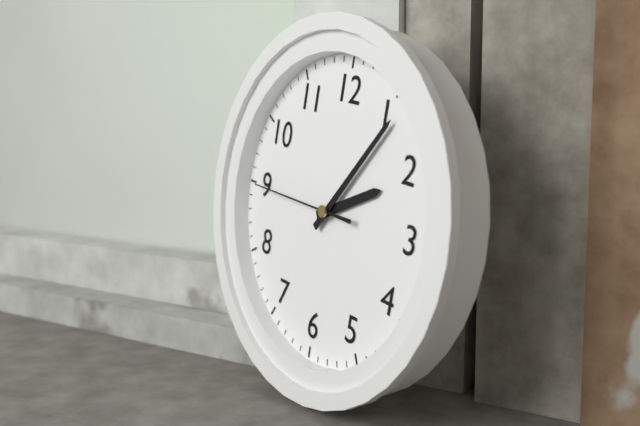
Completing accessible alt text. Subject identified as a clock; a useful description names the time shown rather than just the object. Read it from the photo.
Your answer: 2:06:45
